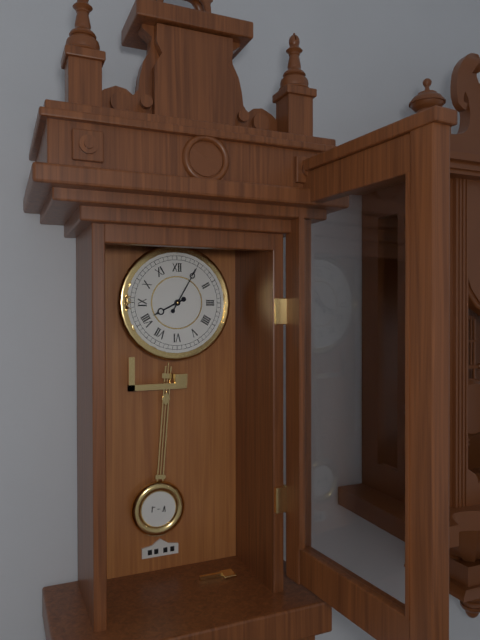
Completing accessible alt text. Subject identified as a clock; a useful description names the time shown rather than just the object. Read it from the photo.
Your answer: 8:05
